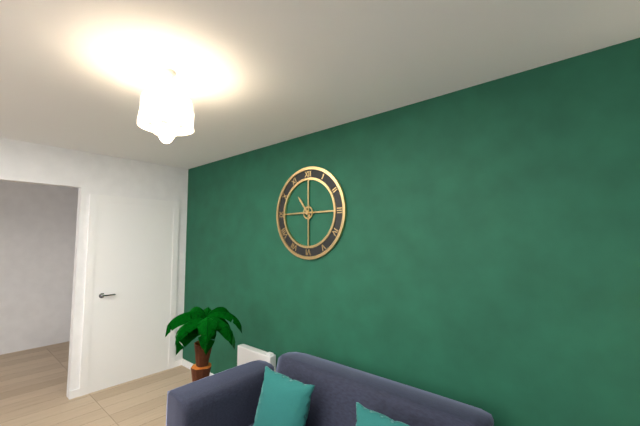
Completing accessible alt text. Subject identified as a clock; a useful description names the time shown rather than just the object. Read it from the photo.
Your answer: 10:45
